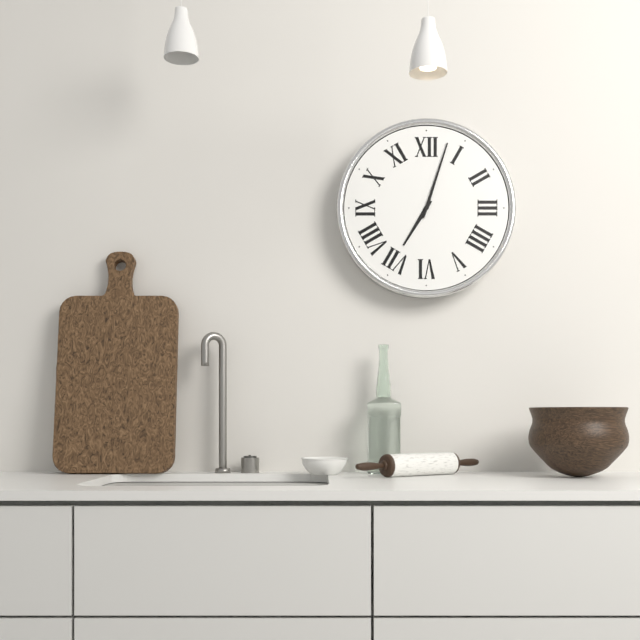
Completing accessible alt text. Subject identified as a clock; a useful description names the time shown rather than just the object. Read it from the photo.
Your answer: 7:03
